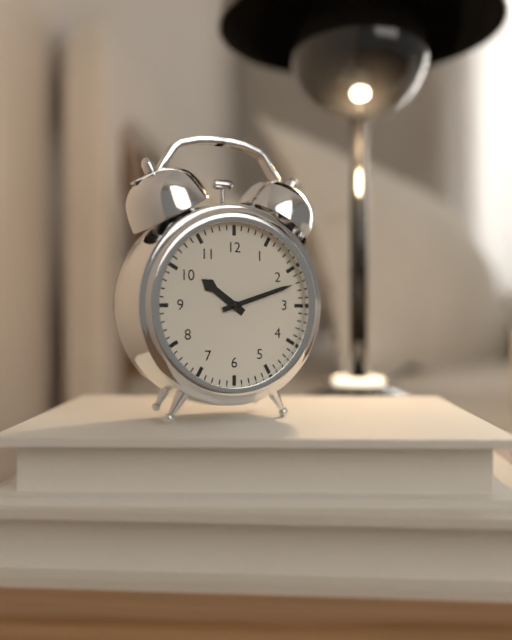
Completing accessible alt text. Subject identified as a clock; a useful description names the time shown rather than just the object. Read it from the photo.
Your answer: 10:12
